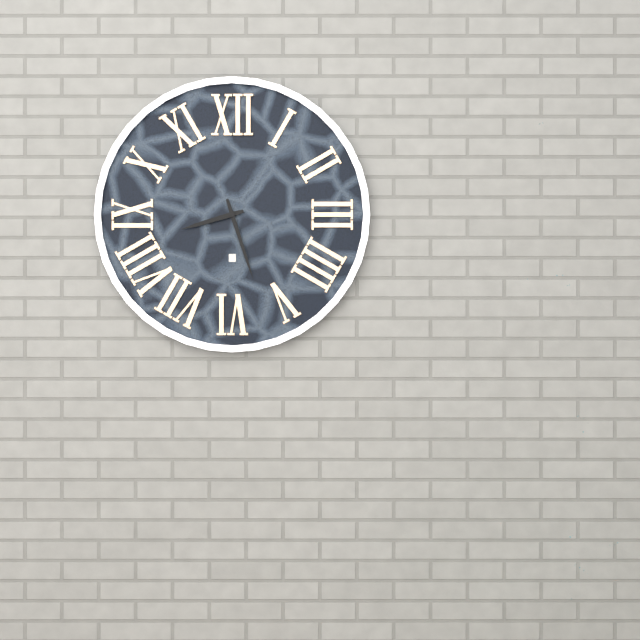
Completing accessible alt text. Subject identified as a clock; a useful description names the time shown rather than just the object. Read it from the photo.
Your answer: 8:27
